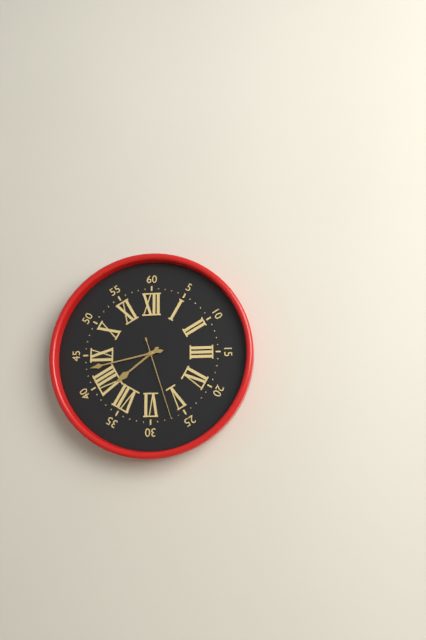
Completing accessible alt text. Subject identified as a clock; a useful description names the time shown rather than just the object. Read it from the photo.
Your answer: 7:43:27
